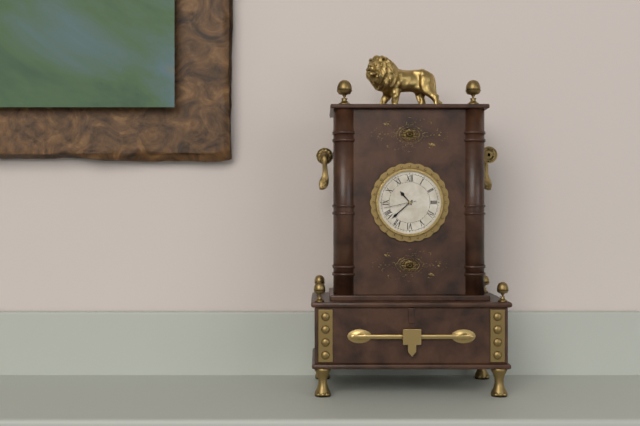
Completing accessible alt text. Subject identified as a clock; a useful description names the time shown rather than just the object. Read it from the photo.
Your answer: 10:38
